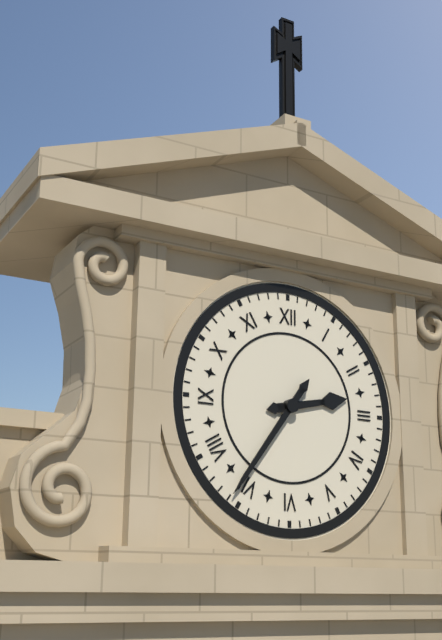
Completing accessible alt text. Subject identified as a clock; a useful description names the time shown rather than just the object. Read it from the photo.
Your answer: 2:36
